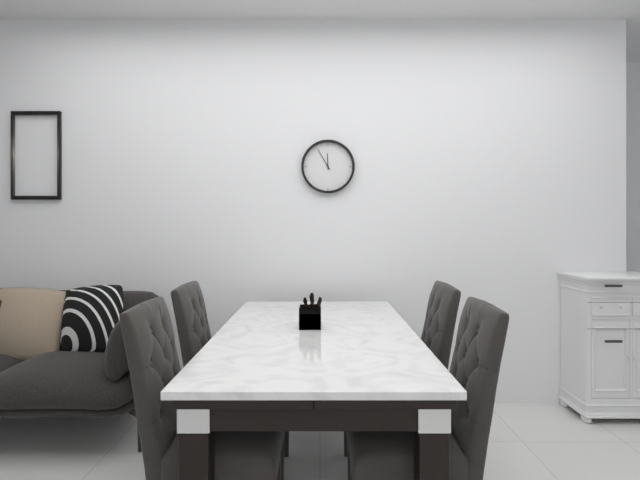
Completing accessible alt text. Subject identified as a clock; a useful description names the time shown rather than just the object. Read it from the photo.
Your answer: 11:55
